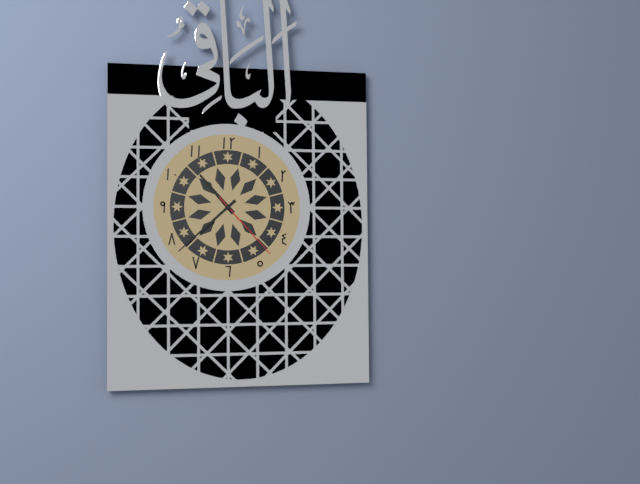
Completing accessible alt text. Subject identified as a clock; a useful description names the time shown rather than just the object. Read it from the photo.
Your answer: 10:38:23
